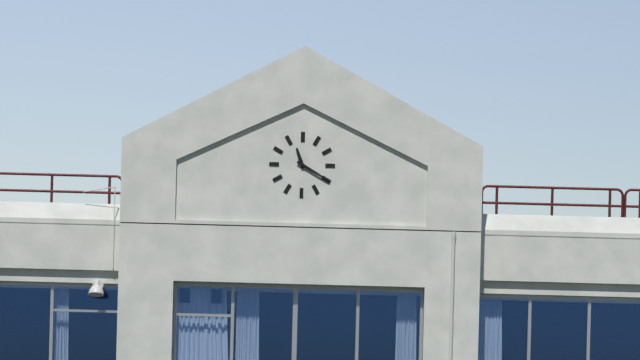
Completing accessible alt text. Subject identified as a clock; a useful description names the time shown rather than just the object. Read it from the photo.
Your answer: 11:20
